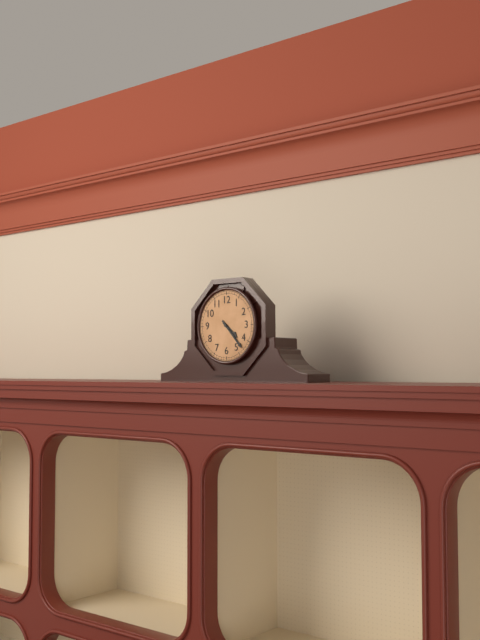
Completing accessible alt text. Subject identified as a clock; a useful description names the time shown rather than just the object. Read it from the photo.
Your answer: 4:23
